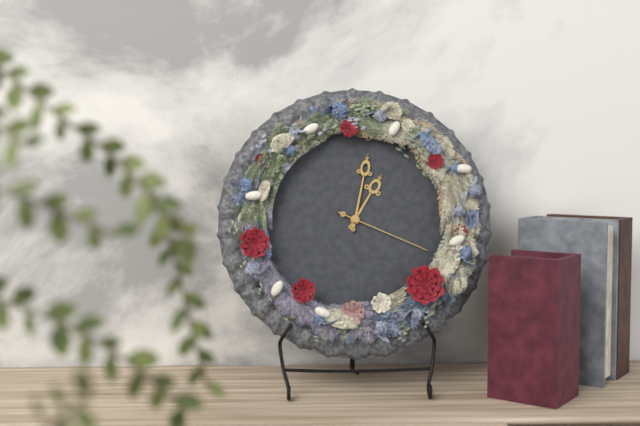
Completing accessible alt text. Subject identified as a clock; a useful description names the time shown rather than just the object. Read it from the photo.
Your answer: 1:02:19
